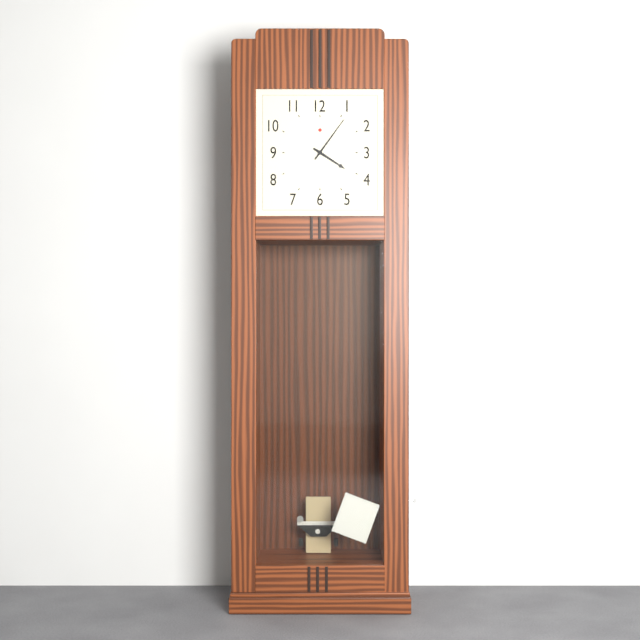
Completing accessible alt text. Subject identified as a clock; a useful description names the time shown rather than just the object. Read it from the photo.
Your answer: 4:06
